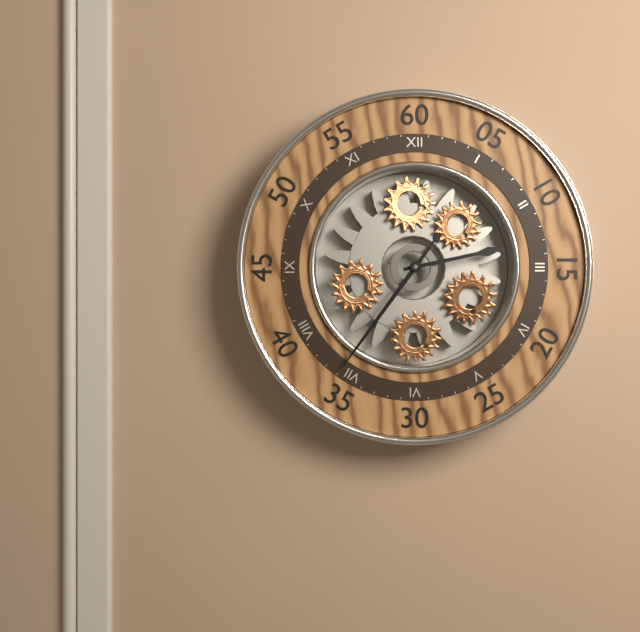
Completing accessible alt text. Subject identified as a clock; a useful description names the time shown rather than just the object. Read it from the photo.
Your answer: 2:36
